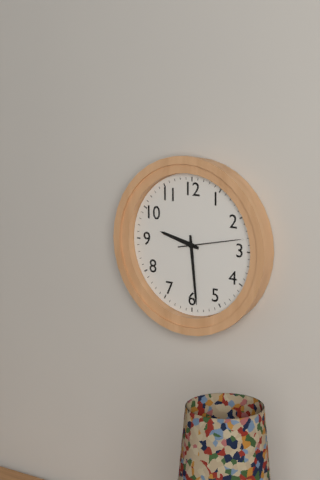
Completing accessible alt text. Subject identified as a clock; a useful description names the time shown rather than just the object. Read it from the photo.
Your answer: 9:29:13
